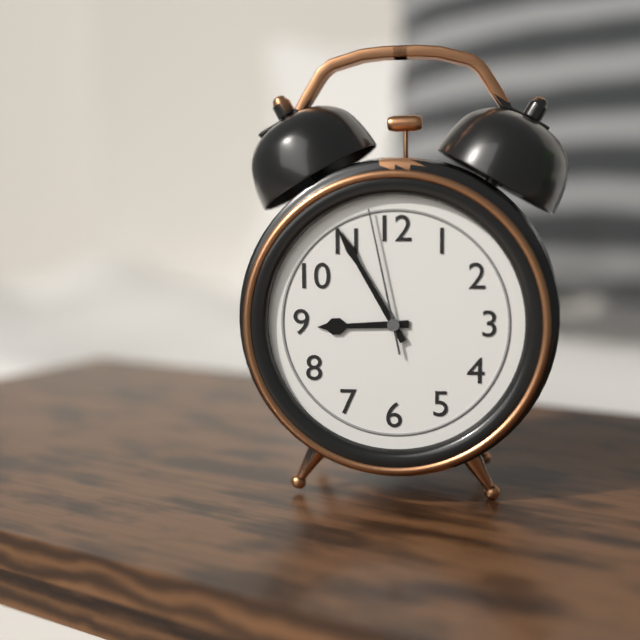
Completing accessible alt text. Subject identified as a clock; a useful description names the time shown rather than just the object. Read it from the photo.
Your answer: 8:55:58
